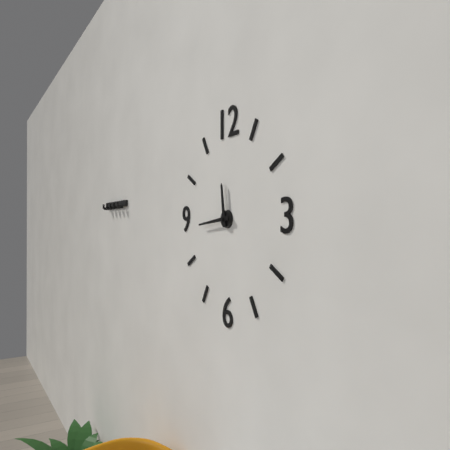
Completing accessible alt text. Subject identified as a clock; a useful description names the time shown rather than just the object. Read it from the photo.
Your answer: 11:44
